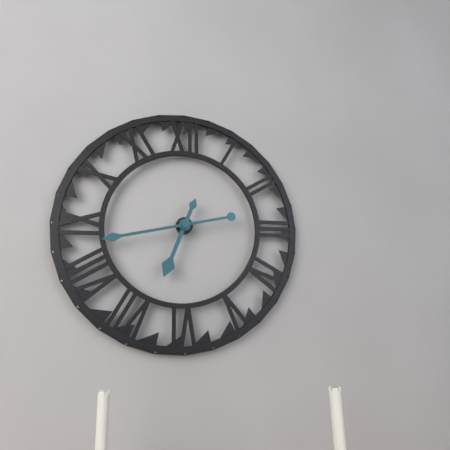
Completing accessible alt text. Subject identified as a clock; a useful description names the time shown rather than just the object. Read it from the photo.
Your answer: 6:43
